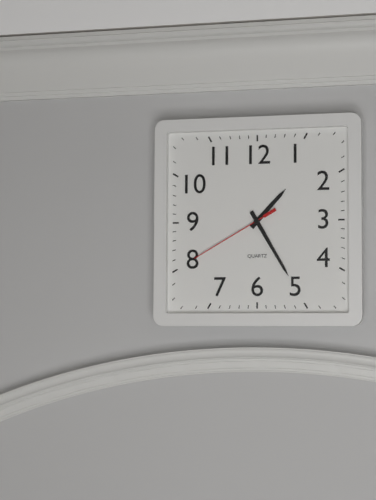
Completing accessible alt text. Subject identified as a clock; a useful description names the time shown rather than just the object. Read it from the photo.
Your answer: 1:25:40
